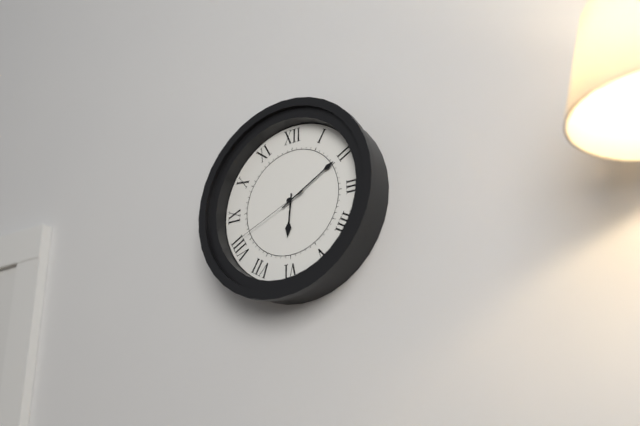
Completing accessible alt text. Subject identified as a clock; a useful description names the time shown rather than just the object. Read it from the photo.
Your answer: 6:10:41
